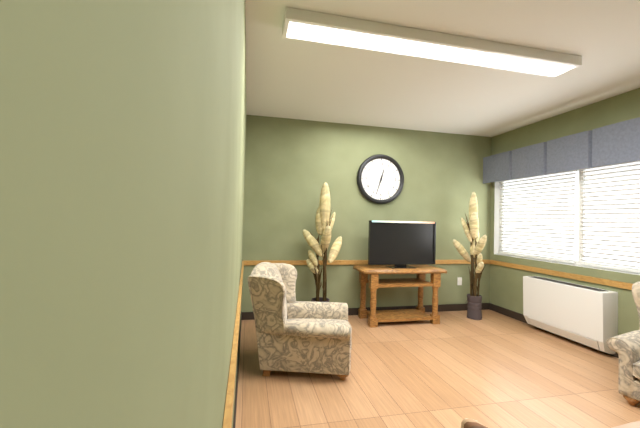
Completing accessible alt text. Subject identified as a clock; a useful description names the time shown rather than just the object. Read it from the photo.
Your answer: 12:33
